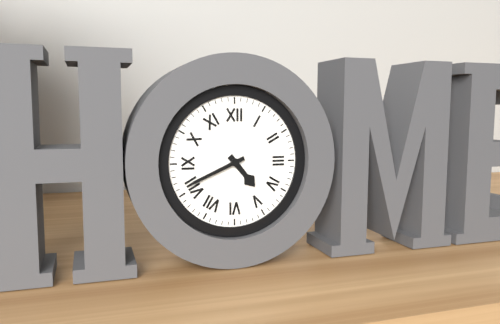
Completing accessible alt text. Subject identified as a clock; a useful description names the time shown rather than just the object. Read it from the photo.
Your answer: 4:41
